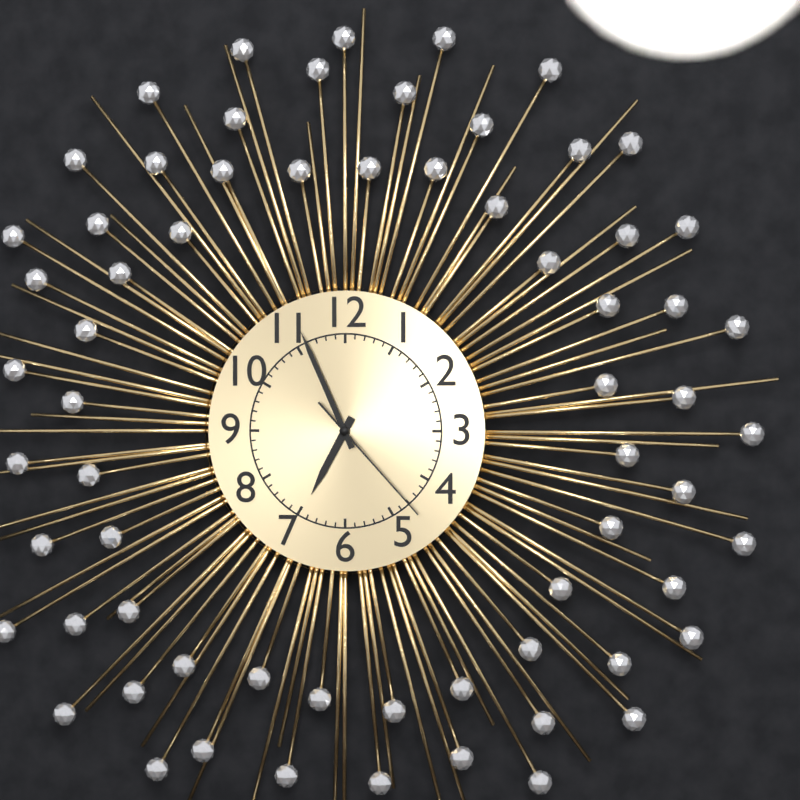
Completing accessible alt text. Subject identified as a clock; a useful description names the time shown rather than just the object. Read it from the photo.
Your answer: 6:56:23
